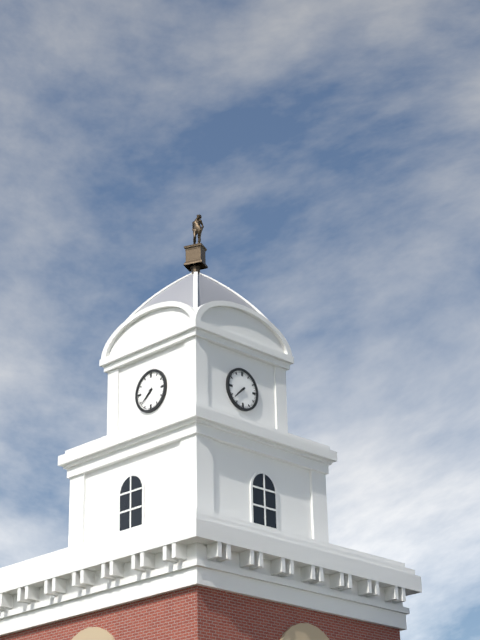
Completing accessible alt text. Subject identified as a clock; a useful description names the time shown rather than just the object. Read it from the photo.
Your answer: 7:38
